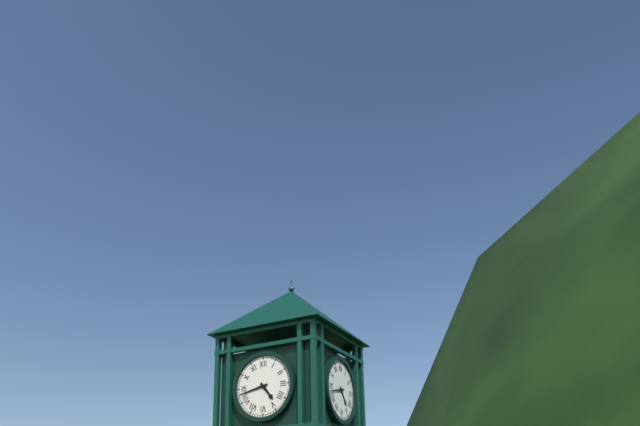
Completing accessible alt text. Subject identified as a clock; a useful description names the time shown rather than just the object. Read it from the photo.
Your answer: 4:43
